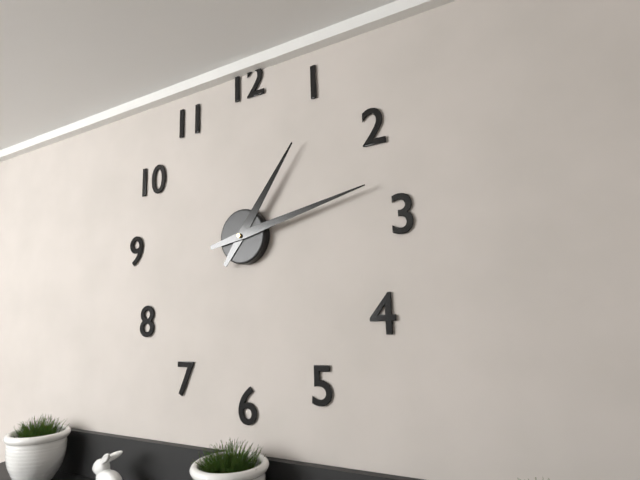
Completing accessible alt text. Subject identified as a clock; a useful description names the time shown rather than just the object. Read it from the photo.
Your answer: 1:13
